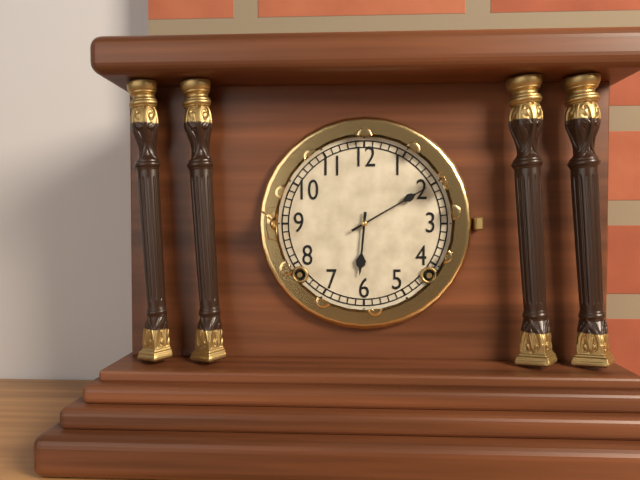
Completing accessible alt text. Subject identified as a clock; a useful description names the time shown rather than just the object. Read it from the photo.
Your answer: 6:10
